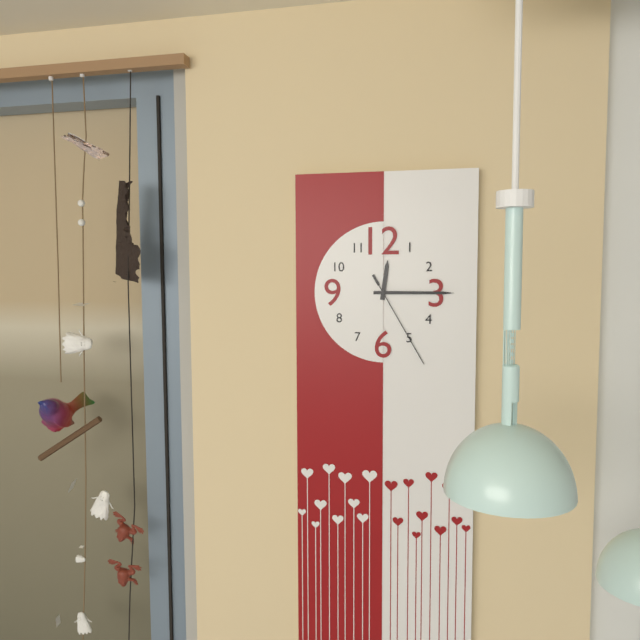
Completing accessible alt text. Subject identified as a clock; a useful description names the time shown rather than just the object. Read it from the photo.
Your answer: 12:15:25
